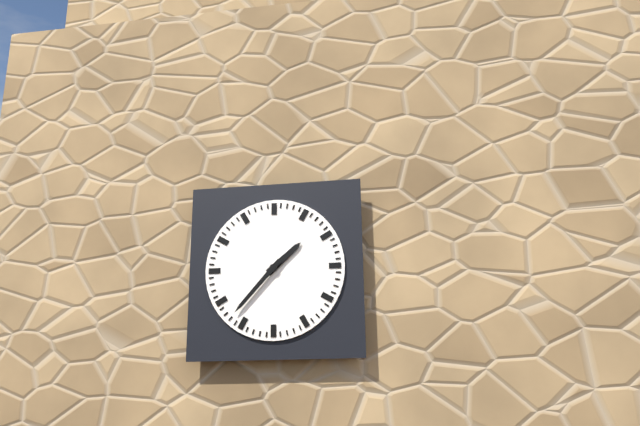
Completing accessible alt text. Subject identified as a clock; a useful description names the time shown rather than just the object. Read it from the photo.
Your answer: 1:37
